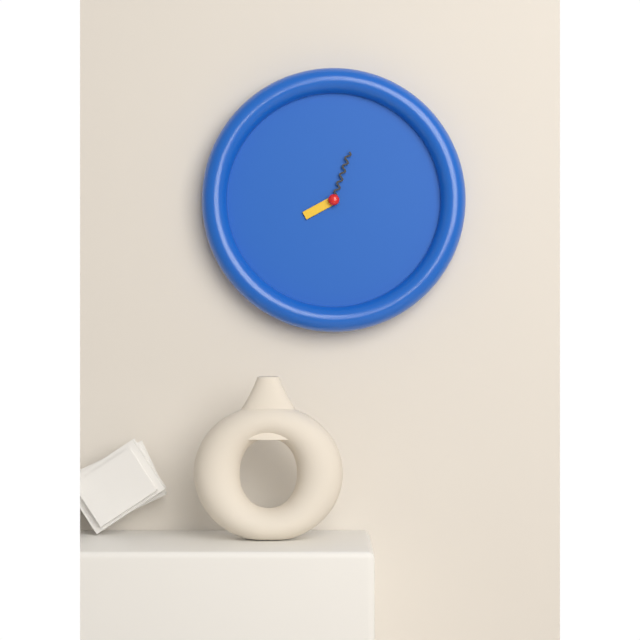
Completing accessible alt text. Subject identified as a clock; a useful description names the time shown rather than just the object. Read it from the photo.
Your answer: 8:03
